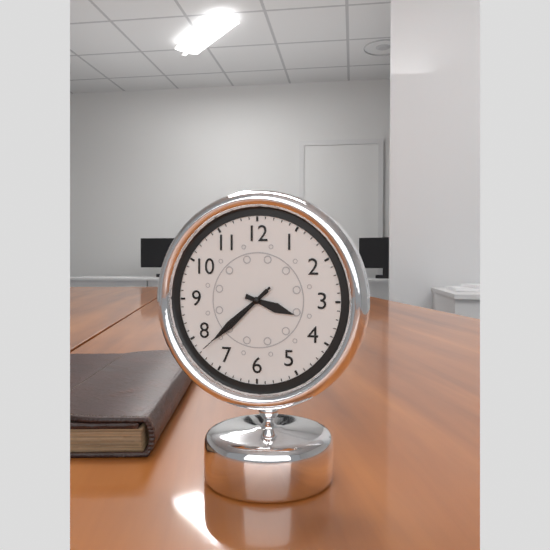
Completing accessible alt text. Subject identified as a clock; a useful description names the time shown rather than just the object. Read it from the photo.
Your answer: 3:38:38
